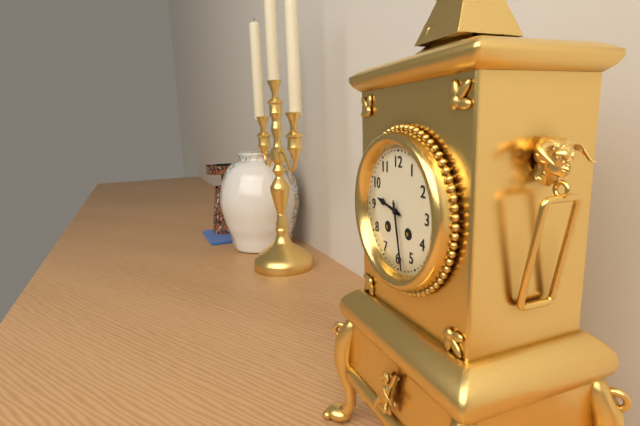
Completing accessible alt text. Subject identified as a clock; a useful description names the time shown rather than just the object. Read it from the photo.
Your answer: 9:28
